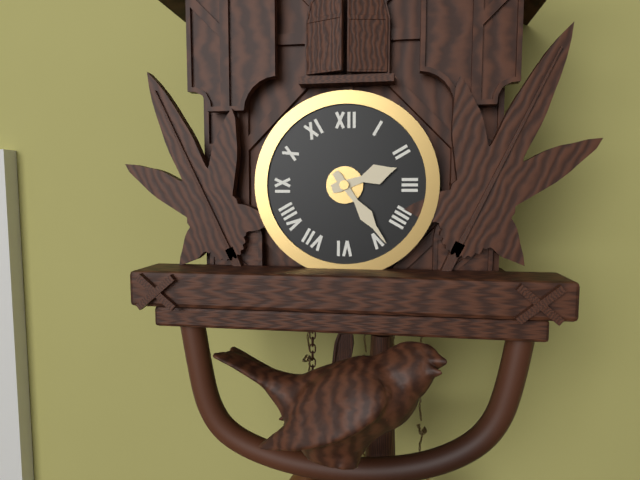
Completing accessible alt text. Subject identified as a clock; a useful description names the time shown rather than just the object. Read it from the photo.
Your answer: 2:24
